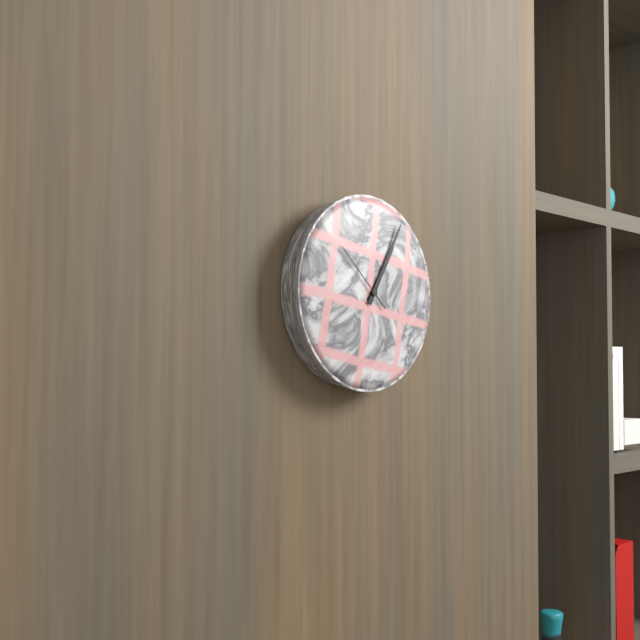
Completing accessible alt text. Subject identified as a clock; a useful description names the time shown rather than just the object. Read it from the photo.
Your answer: 1:05:52
